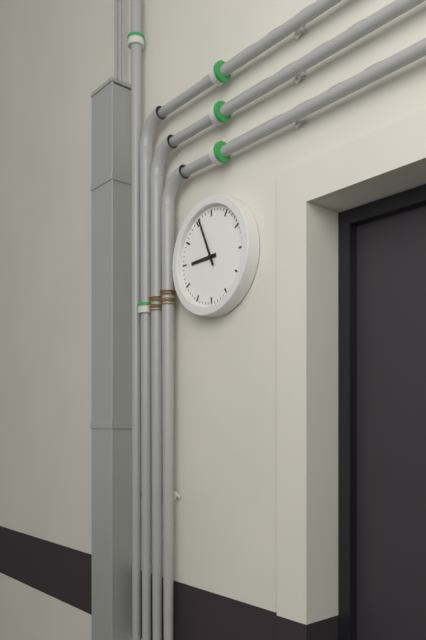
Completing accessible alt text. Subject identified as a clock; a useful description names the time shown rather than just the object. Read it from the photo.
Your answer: 8:56
